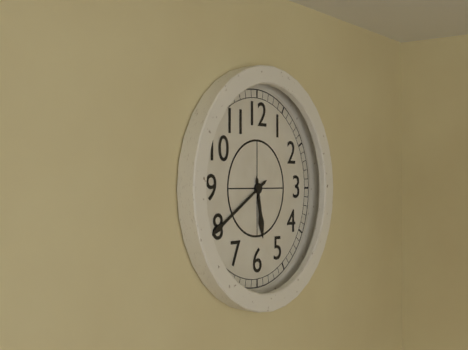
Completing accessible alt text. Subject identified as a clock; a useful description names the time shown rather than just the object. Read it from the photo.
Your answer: 5:40
